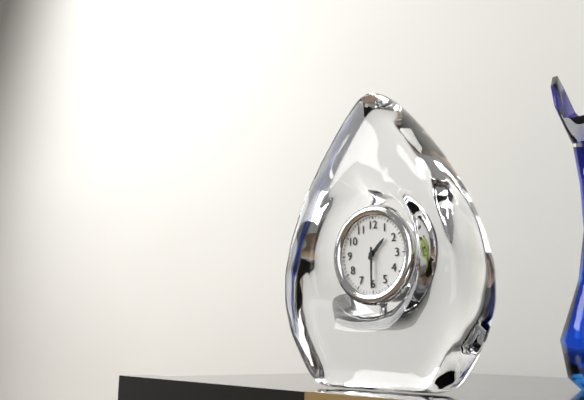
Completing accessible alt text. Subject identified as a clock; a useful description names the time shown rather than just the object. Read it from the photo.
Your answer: 1:30
